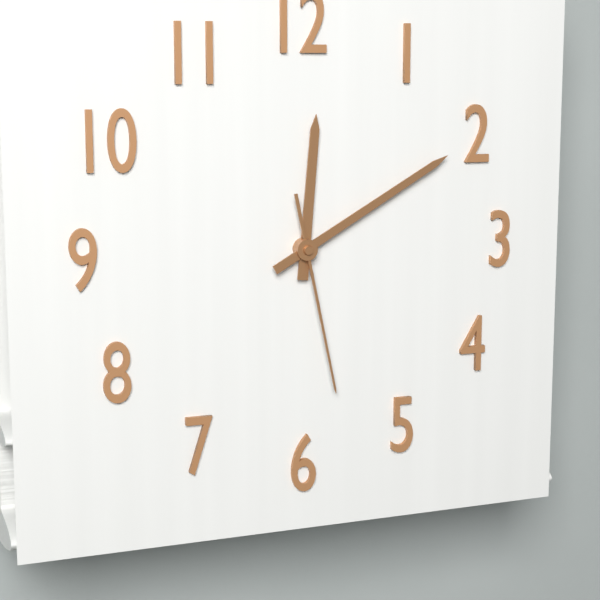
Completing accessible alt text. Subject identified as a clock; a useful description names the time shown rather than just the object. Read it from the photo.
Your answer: 12:10:28
